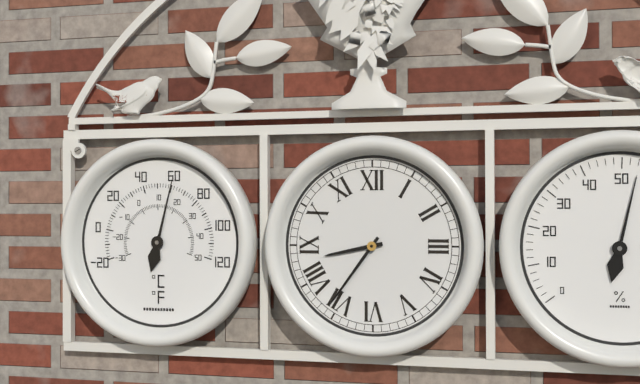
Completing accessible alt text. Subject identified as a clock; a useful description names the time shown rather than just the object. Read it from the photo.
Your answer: 8:36
